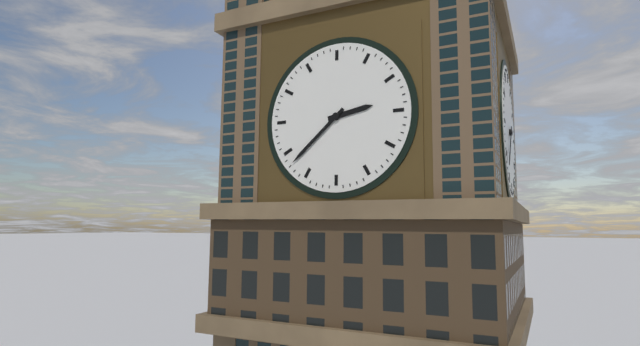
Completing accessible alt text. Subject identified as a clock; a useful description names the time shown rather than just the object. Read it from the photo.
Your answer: 2:38
